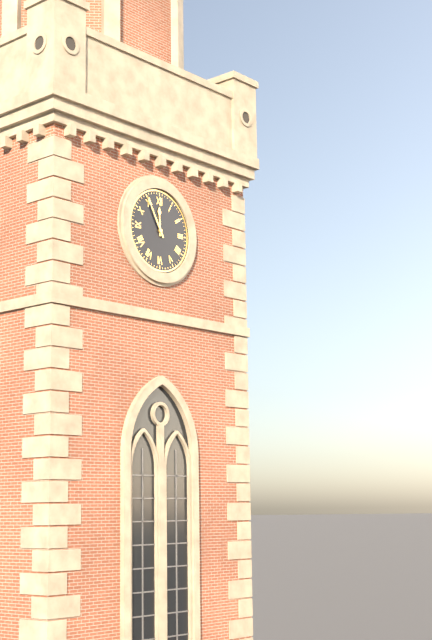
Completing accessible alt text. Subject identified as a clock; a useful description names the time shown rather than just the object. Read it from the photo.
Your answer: 11:55
